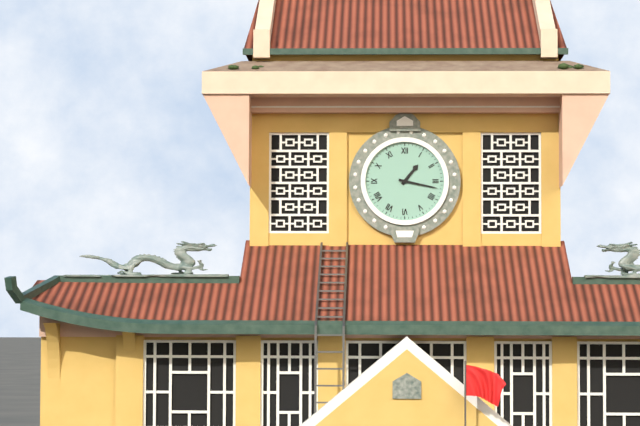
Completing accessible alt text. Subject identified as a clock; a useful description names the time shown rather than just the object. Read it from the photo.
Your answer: 1:17
